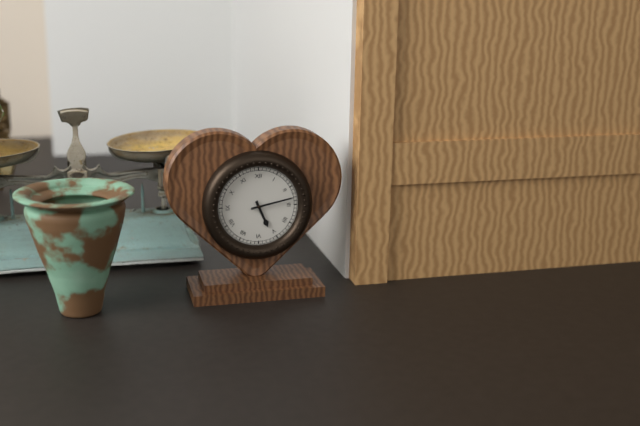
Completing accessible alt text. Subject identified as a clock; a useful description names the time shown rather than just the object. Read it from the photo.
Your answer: 5:13
